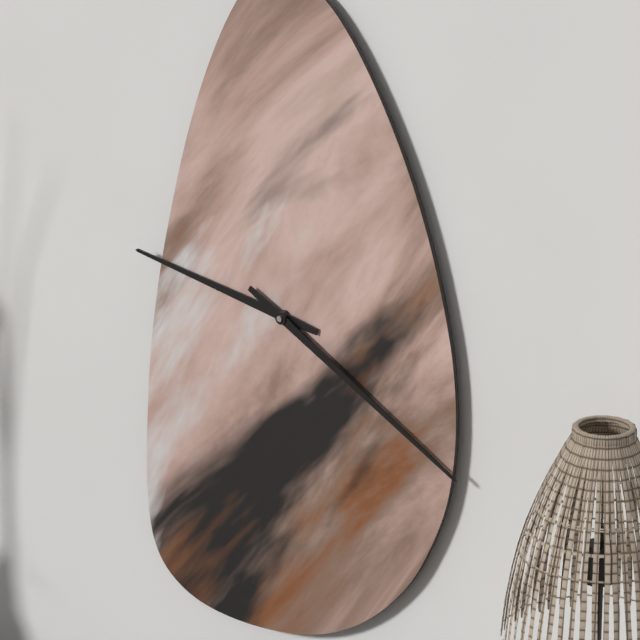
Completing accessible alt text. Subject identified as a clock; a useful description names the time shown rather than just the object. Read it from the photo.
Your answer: 9:20
